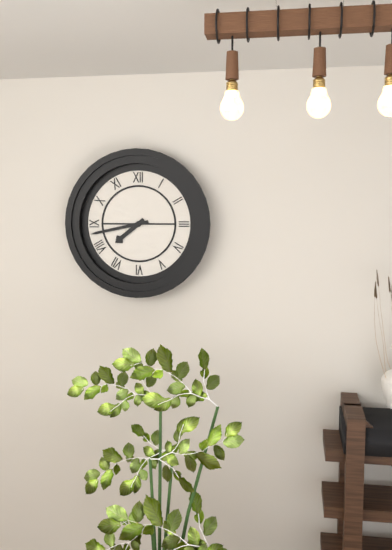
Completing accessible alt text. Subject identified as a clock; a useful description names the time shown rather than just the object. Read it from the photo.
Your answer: 7:43
